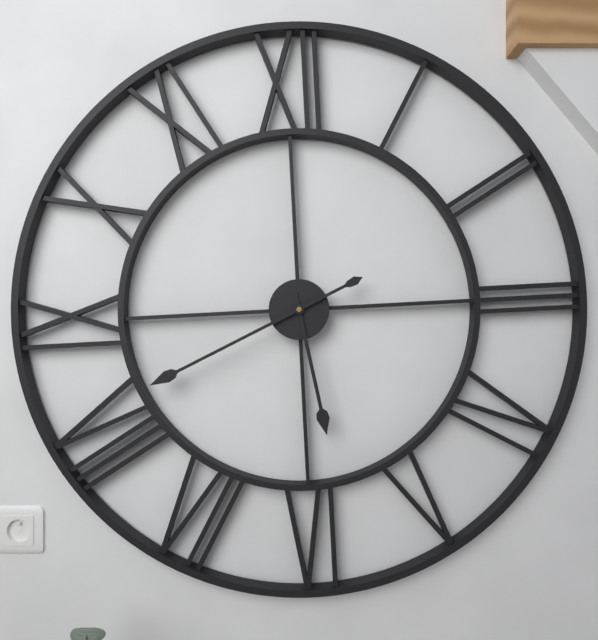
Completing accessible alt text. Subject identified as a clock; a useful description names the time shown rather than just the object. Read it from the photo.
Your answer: 5:41
